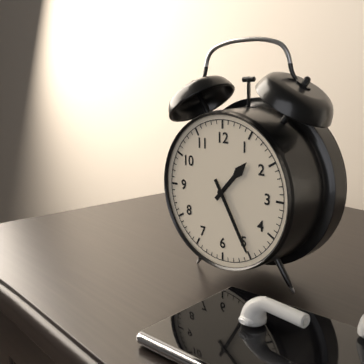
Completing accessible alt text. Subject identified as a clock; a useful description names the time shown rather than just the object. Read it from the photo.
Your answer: 1:25
